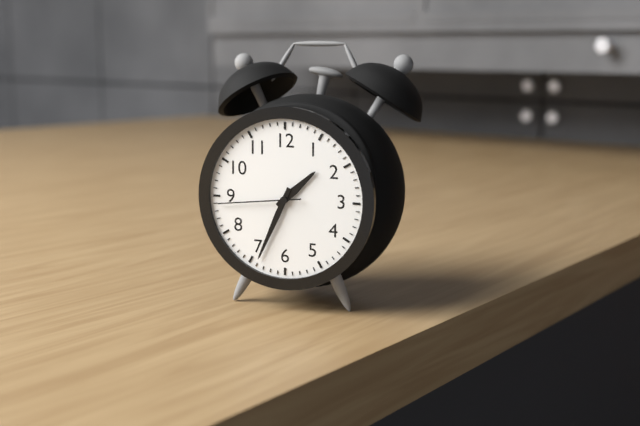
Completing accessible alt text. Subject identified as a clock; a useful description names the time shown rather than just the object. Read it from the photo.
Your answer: 1:34:44
